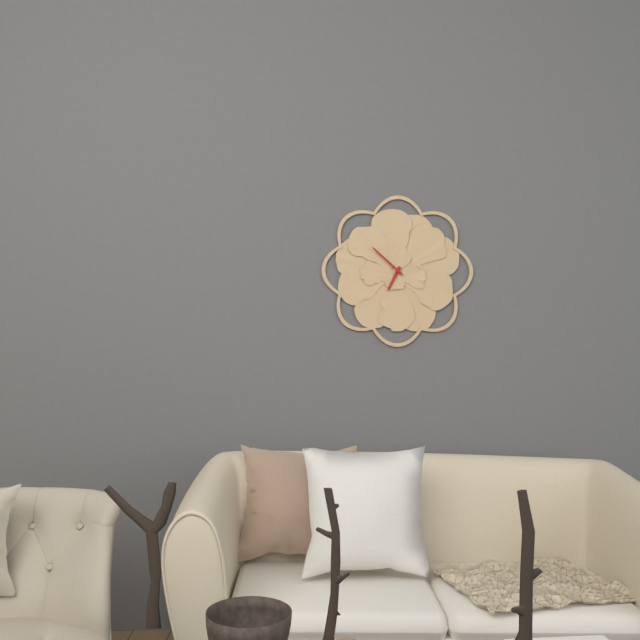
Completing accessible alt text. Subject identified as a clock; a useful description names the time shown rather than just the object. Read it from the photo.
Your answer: 6:52
